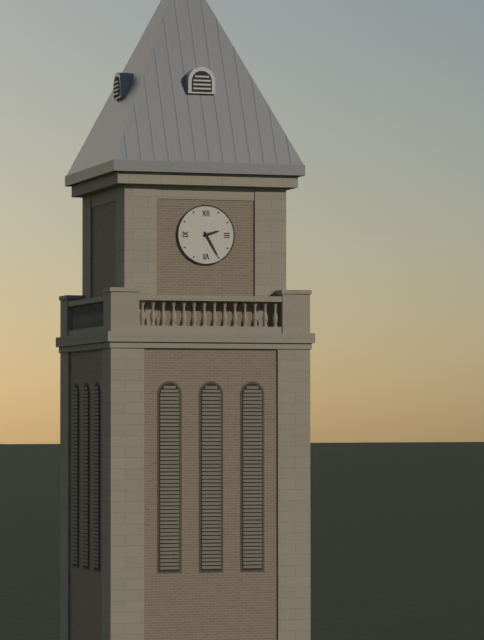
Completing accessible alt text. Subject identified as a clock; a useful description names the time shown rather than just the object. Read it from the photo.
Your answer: 2:25
